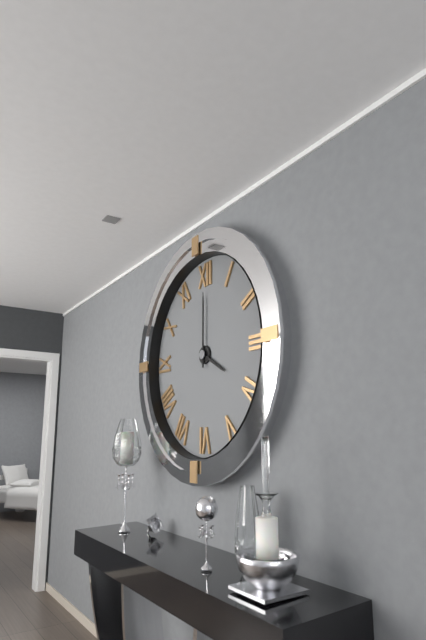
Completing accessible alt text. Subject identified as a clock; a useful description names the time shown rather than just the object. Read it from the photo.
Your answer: 4:00
